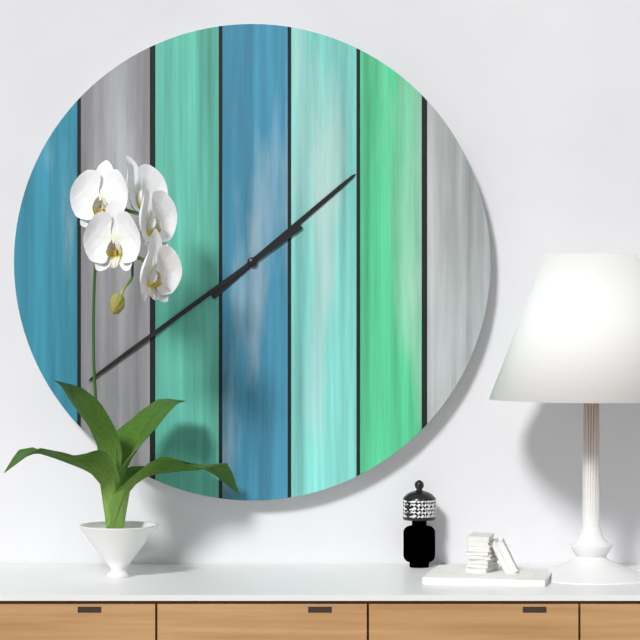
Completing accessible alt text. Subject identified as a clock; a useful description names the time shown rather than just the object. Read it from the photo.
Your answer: 1:39
